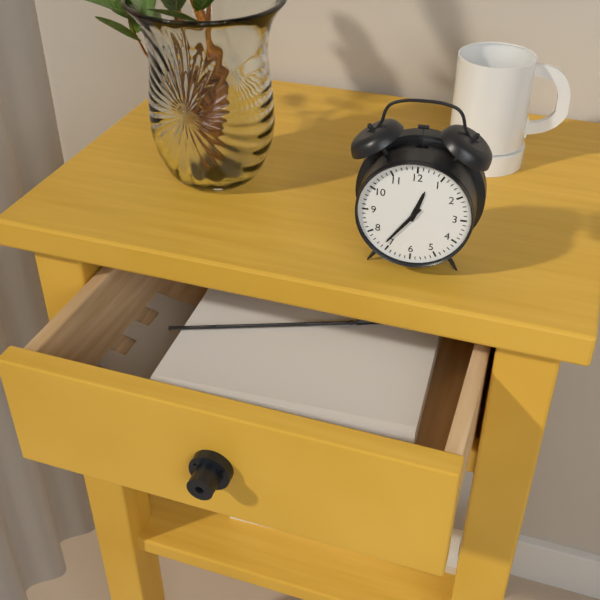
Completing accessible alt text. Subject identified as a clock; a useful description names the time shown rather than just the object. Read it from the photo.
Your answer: 12:36
